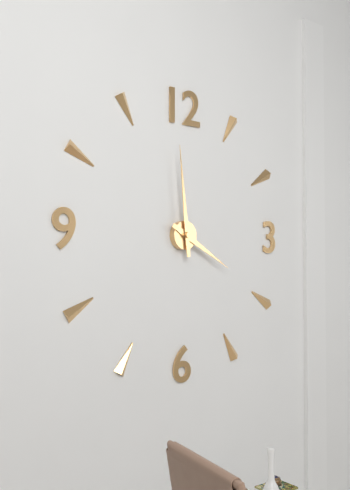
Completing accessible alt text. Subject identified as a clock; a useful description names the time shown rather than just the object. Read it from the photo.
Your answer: 3:59
